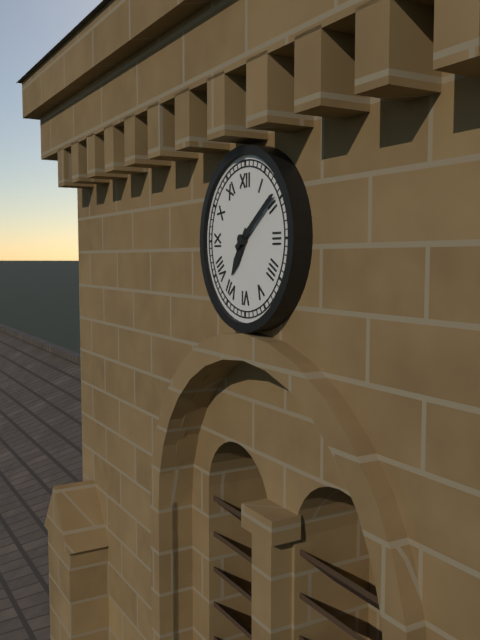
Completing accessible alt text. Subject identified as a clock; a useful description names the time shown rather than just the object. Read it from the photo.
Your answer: 7:09
